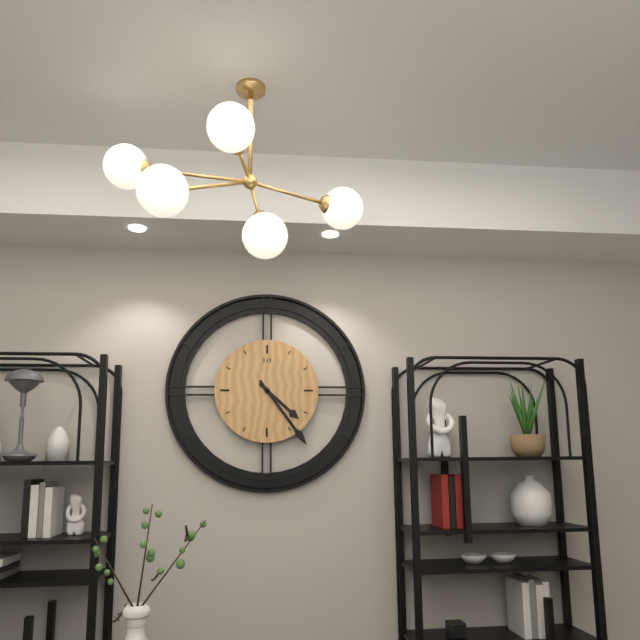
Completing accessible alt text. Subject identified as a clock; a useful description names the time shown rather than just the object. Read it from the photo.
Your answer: 4:24
